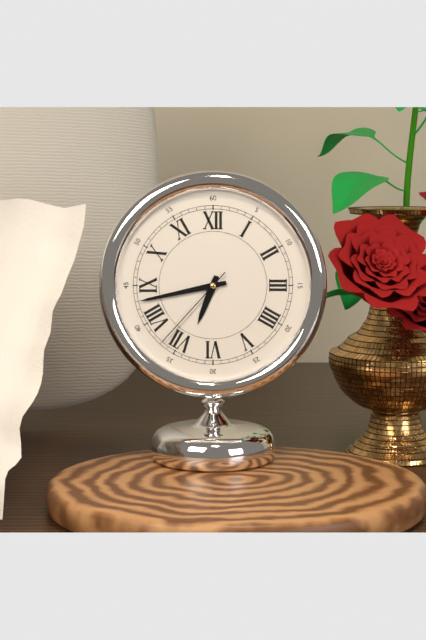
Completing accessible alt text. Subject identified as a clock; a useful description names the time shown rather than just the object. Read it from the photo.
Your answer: 6:43:37
